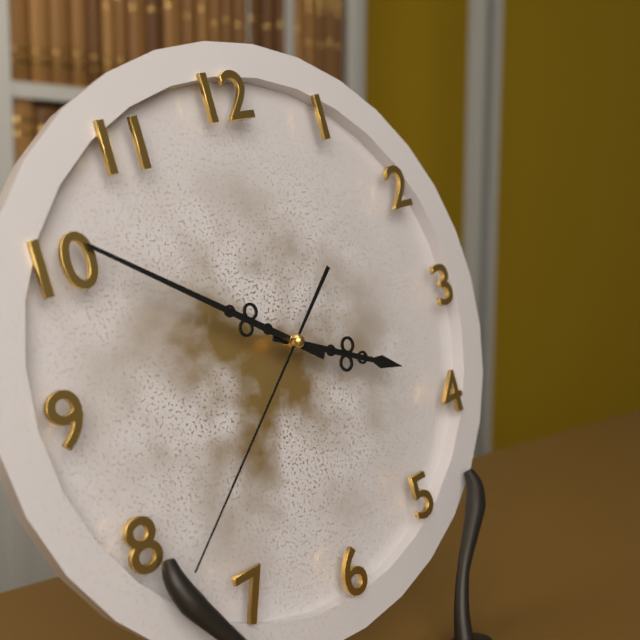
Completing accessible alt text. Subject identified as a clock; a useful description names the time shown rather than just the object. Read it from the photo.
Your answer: 3:51:38
